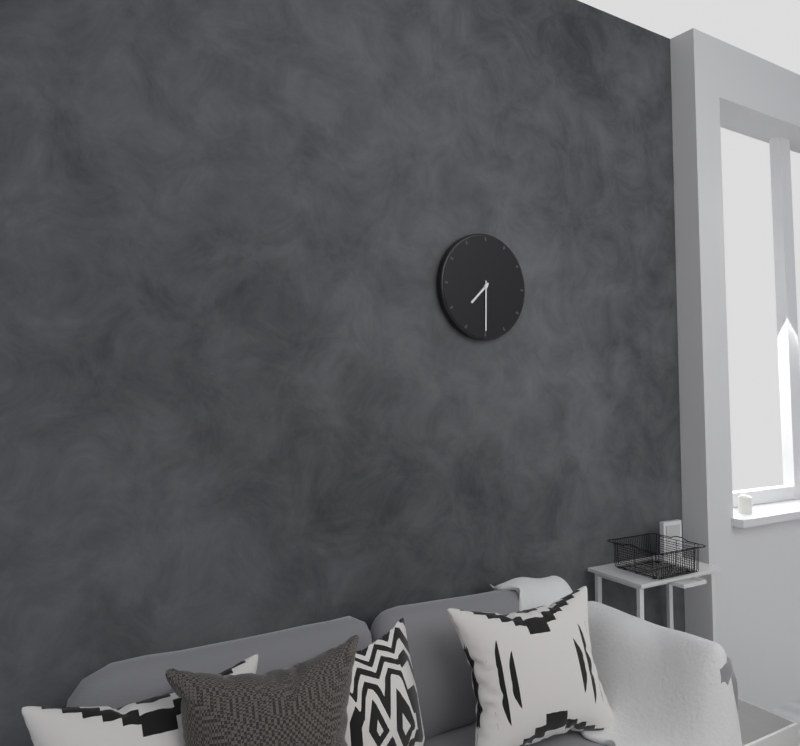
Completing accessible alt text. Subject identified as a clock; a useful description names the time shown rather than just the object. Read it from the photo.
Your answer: 7:30
